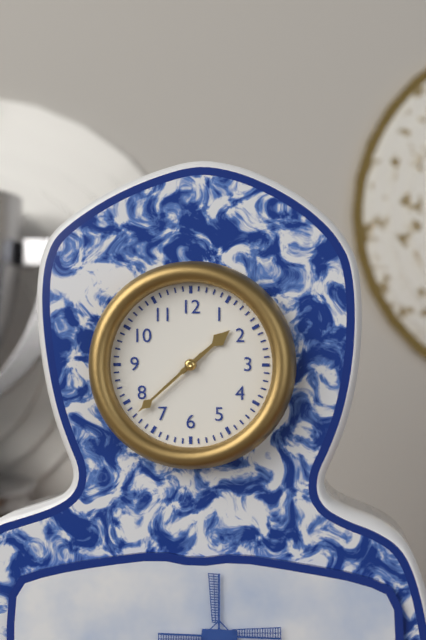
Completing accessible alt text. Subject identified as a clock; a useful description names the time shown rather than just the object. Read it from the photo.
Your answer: 1:38
